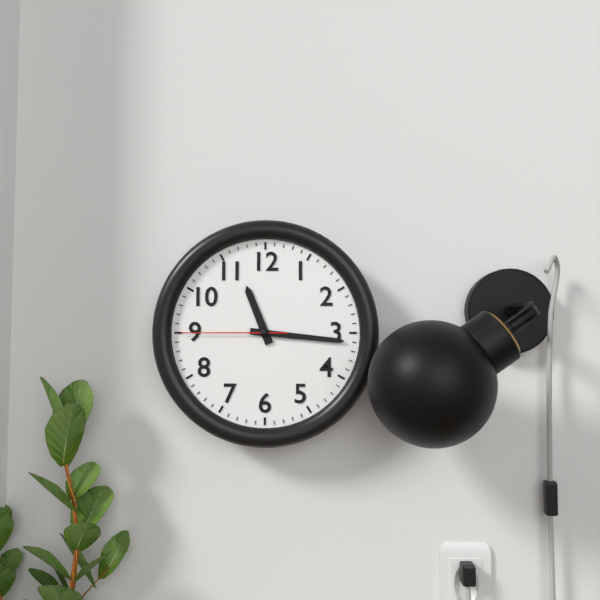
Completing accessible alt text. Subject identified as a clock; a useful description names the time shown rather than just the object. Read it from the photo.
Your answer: 11:16:45
